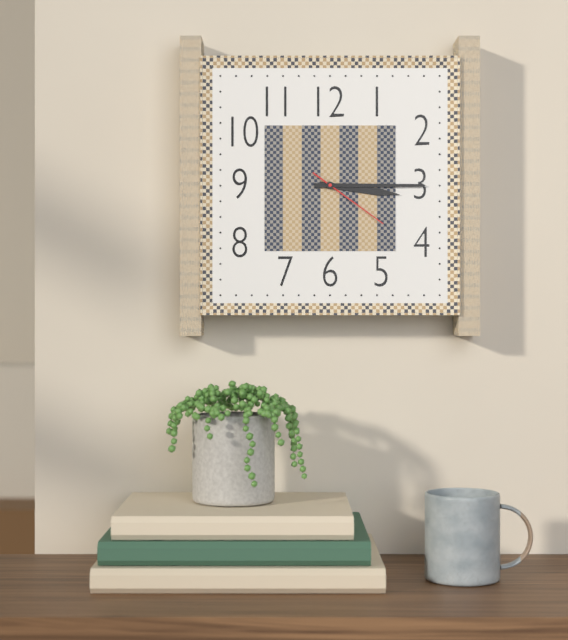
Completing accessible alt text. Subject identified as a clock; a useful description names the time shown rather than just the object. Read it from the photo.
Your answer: 3:15:21
